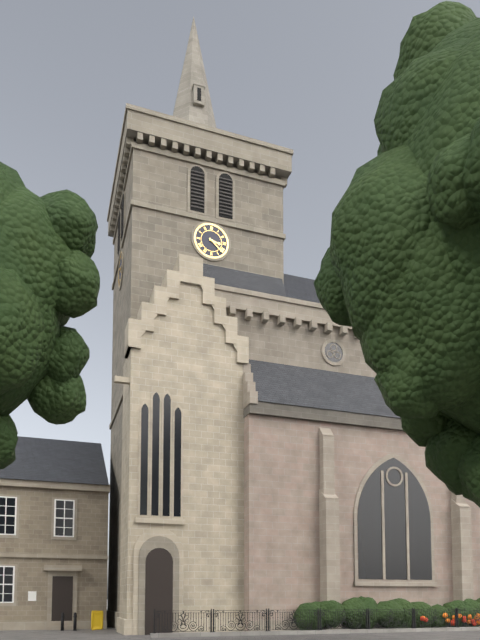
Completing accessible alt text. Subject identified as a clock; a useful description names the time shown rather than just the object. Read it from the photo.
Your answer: 3:22
